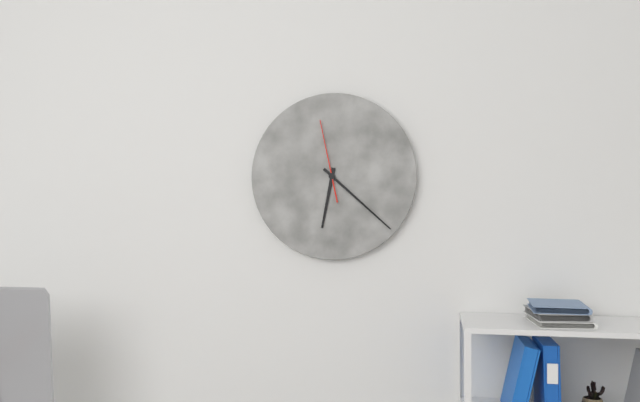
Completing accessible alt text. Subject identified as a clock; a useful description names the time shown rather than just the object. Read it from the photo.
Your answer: 6:22:58
